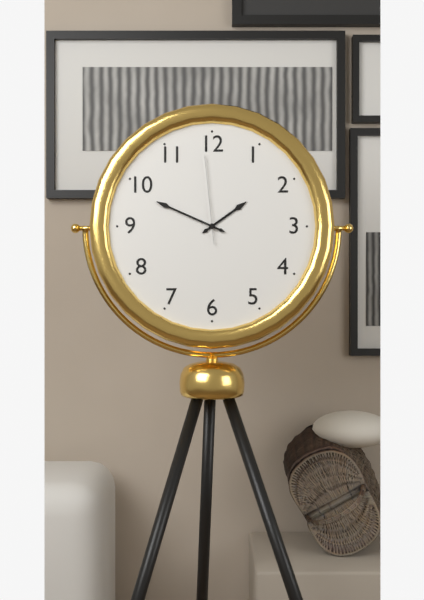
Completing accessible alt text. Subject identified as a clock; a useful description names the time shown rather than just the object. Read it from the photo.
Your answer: 1:49:59
